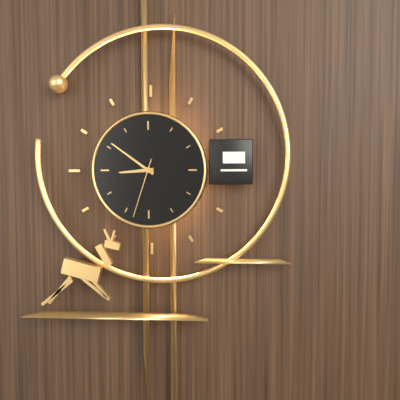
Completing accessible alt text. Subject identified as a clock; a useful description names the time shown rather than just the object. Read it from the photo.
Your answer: 8:51:33
